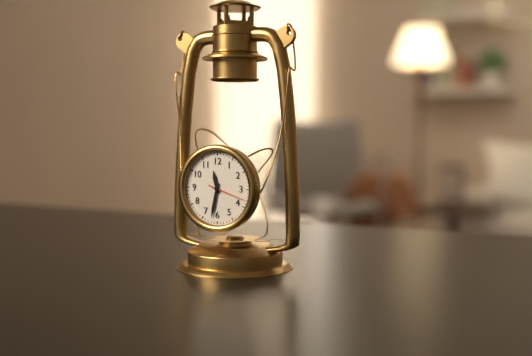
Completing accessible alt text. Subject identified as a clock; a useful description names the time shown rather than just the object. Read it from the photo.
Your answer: 11:32
